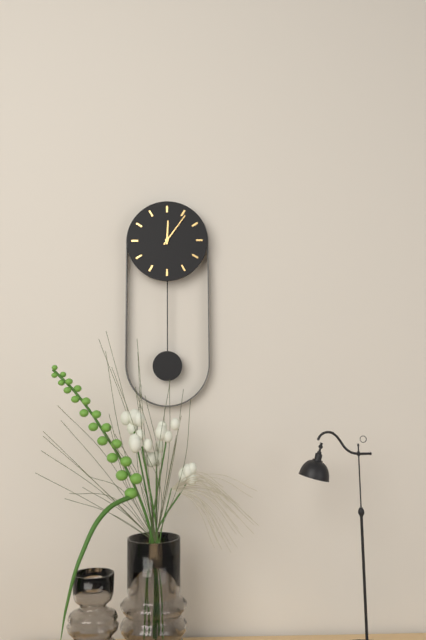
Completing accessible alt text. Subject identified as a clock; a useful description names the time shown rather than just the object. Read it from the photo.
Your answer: 12:06
